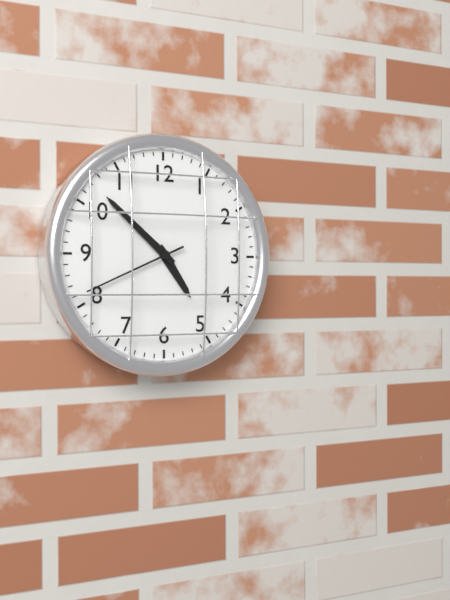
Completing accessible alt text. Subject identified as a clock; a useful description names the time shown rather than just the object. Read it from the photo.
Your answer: 4:52:41
